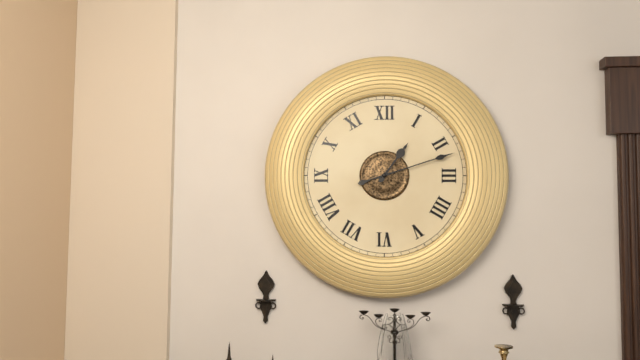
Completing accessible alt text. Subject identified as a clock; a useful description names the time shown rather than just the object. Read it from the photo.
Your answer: 1:12
